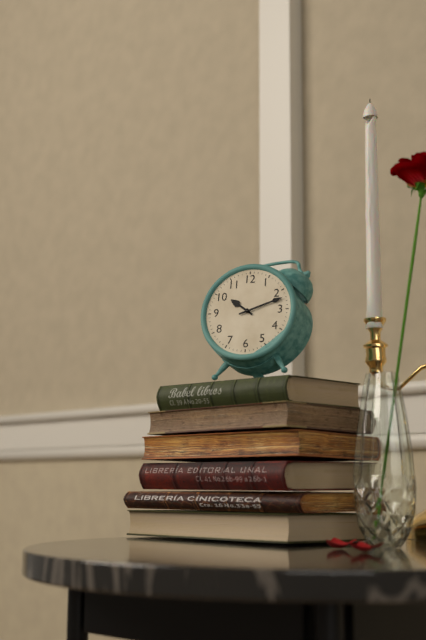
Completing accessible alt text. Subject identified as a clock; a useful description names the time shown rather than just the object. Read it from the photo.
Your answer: 10:12
